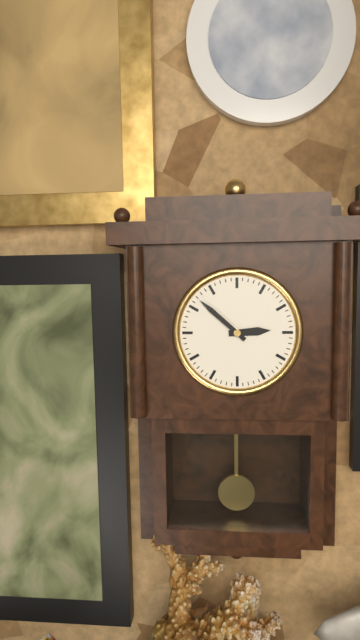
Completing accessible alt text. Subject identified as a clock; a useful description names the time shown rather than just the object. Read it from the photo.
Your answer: 2:52
